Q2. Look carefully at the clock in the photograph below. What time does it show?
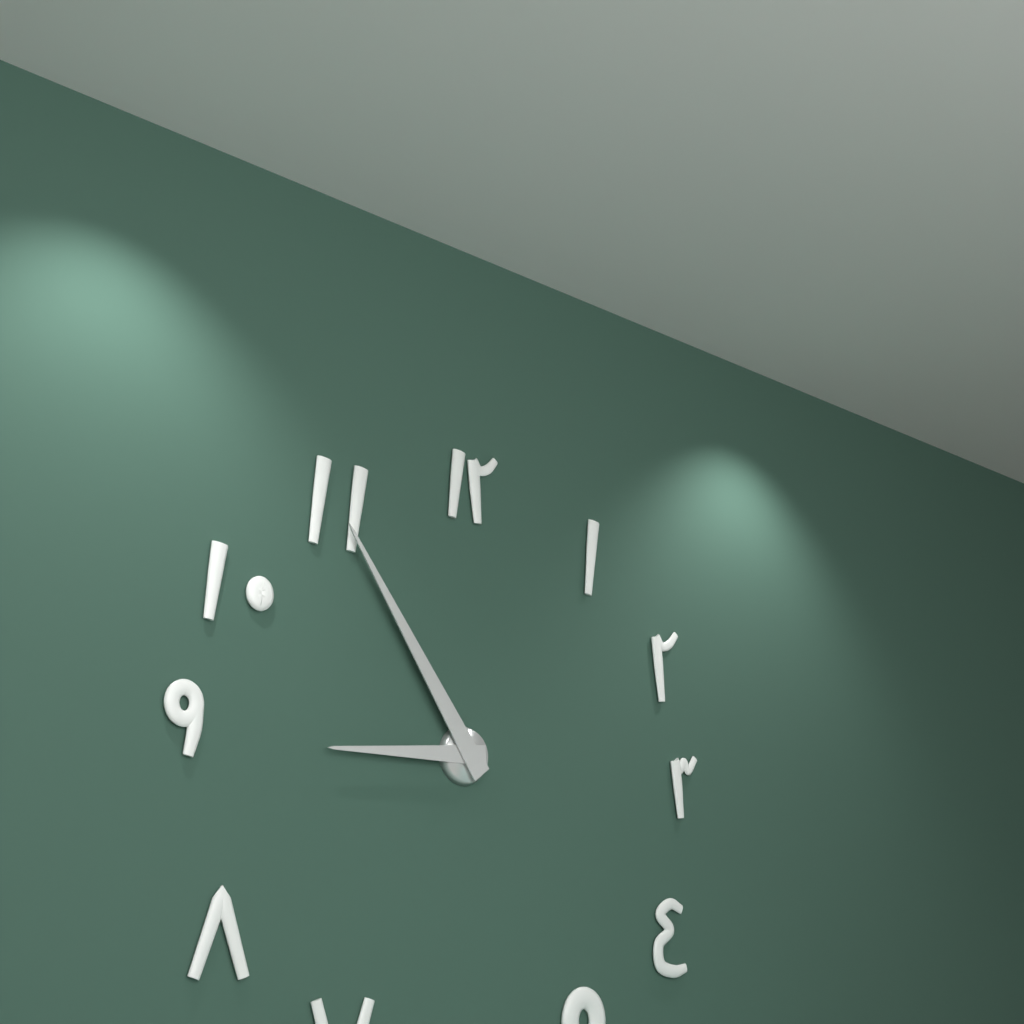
8:54
